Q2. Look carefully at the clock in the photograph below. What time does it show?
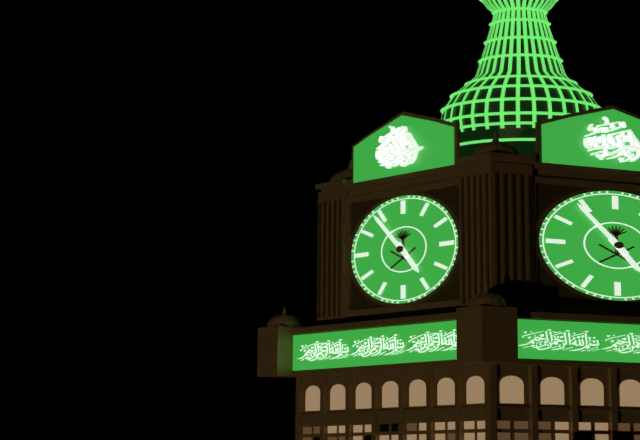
4:54
